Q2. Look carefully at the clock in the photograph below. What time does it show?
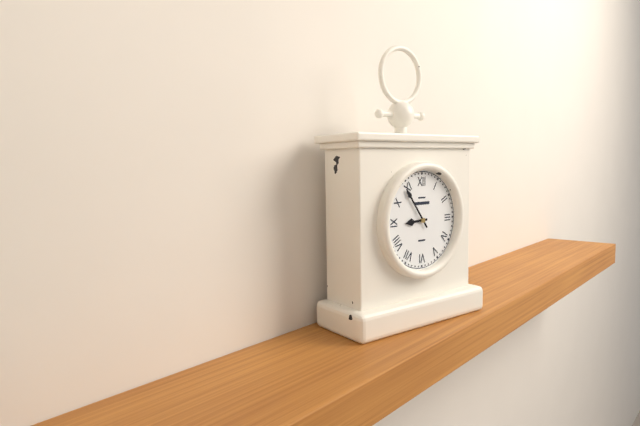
8:54
